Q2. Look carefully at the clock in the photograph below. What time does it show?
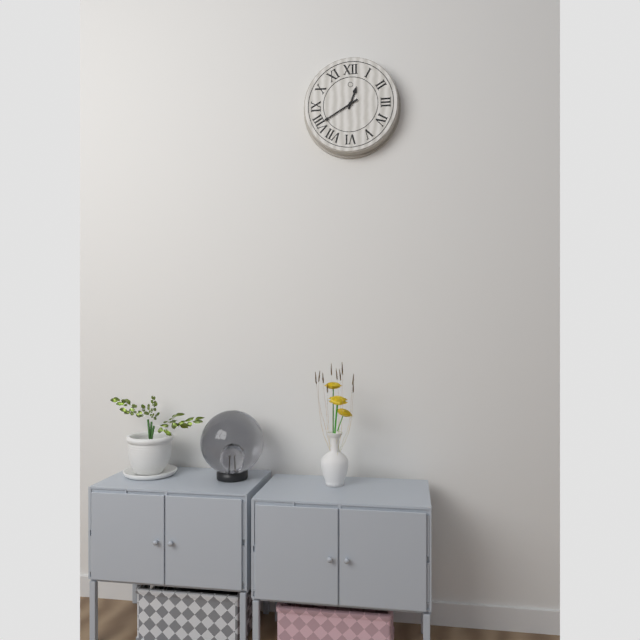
12:40
